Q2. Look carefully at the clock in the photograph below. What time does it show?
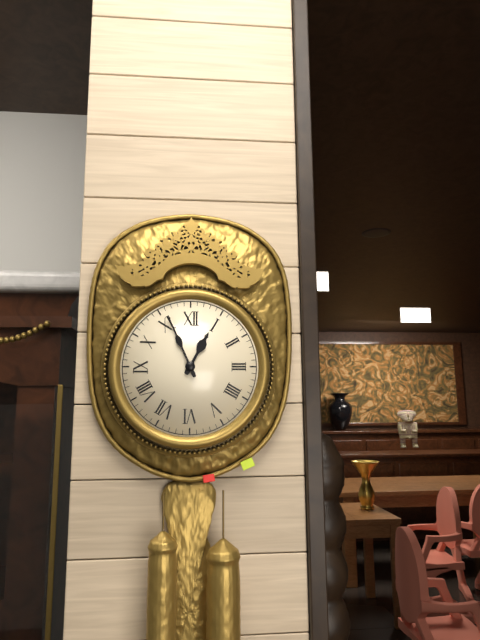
12:56
